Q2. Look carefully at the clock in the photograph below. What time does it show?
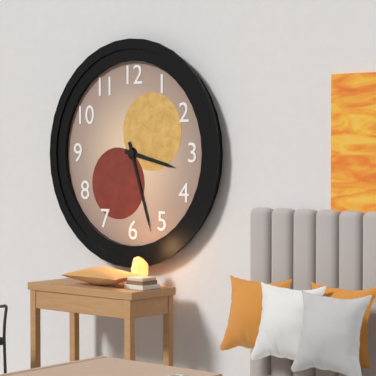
3:27
